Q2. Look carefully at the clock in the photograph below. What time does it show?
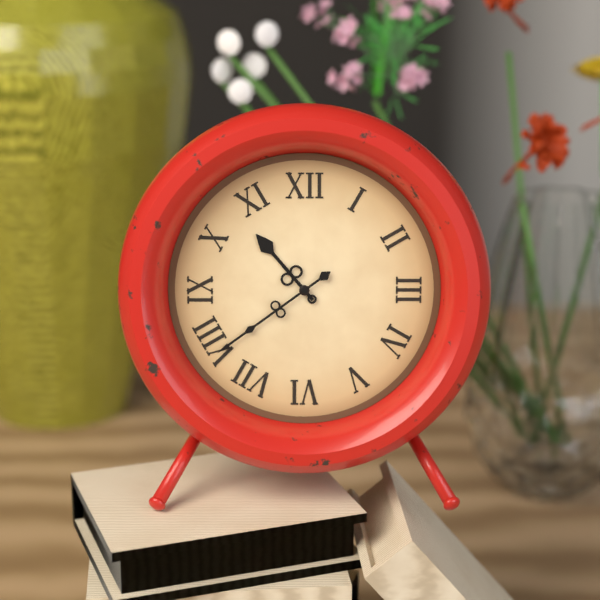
10:39
